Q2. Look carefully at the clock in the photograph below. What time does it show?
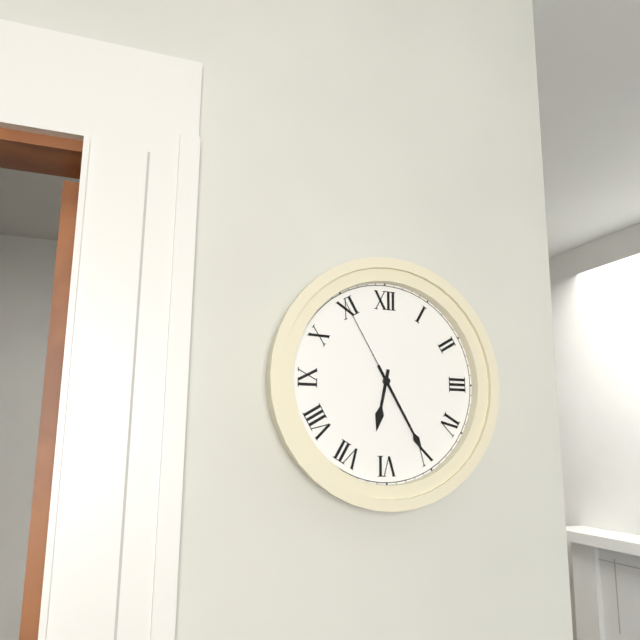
6:25:55
